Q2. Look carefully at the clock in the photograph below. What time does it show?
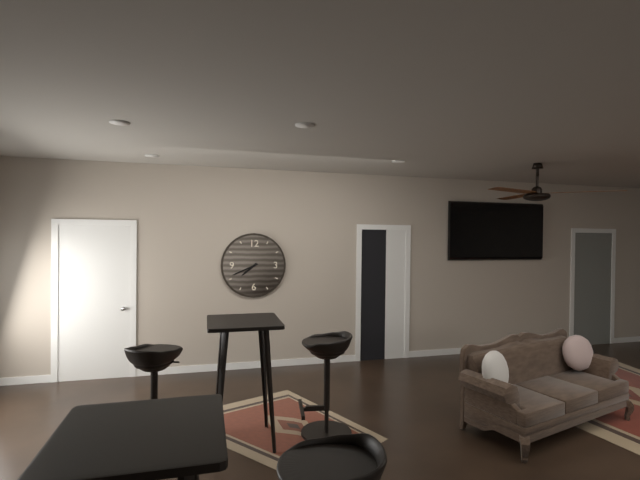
7:41
